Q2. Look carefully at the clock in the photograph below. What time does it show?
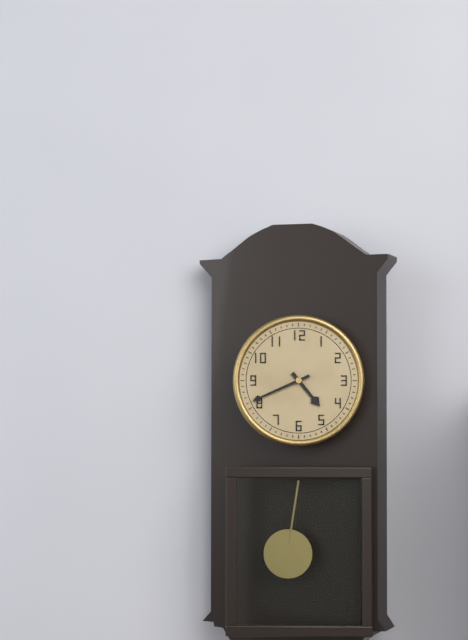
4:41
